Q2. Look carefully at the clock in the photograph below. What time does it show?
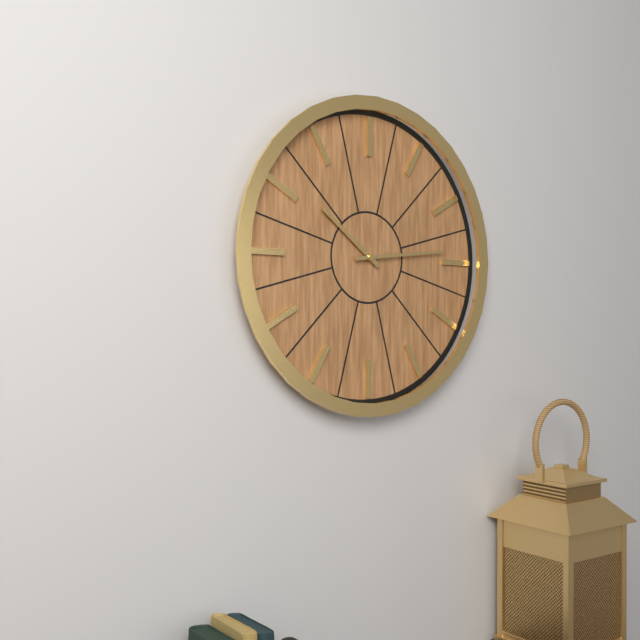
10:14
